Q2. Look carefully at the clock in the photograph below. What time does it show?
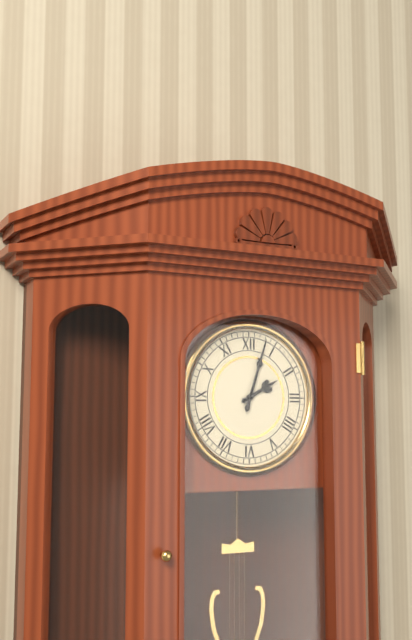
2:03
